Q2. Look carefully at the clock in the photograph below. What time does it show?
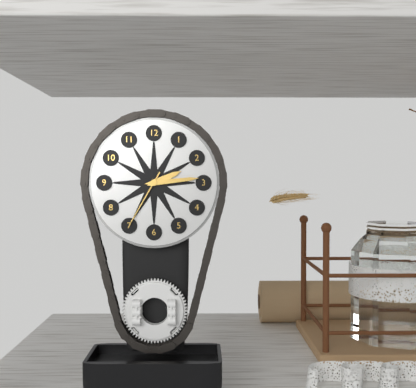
2:14:35
